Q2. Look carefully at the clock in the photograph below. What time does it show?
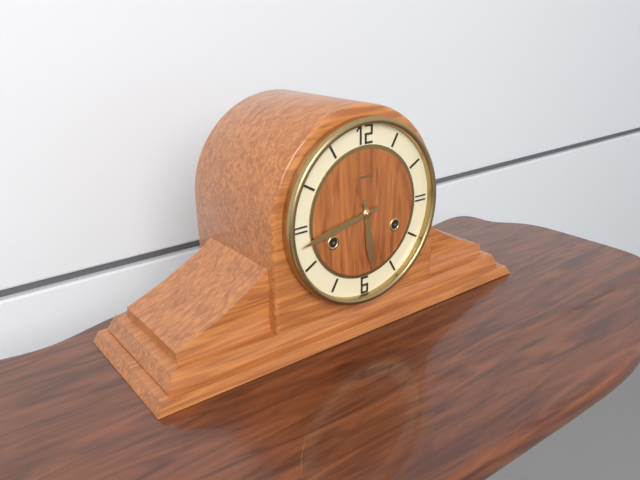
5:43
